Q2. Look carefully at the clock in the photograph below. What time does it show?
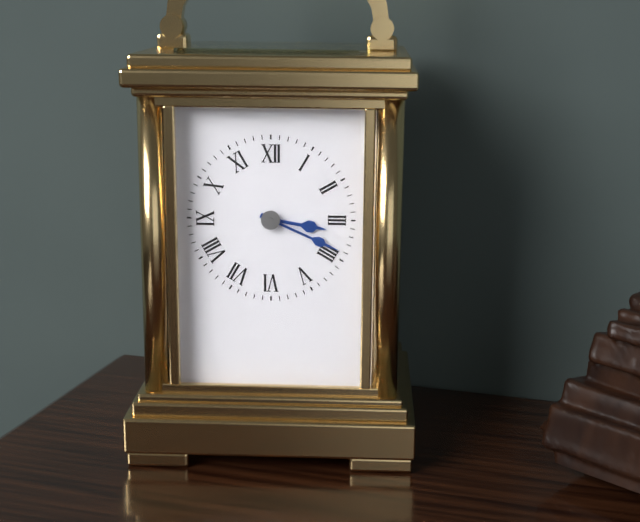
3:19
